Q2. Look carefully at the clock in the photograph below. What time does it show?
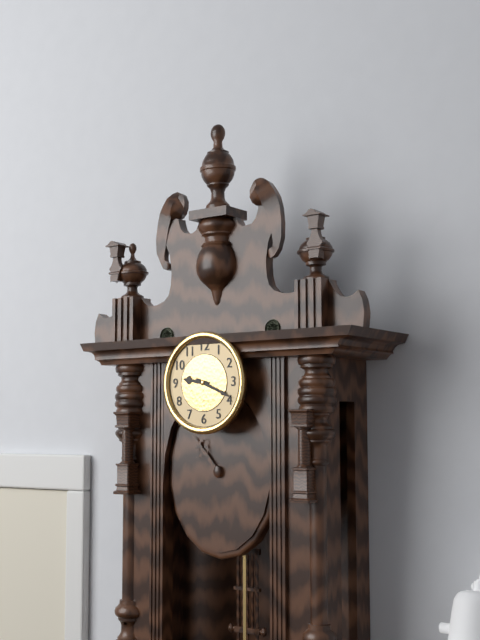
9:19
